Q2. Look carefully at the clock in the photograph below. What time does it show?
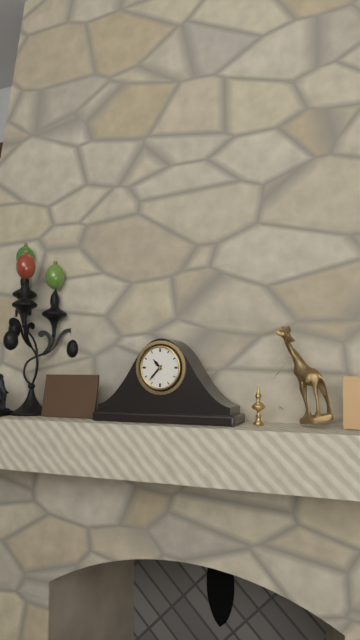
10:37
